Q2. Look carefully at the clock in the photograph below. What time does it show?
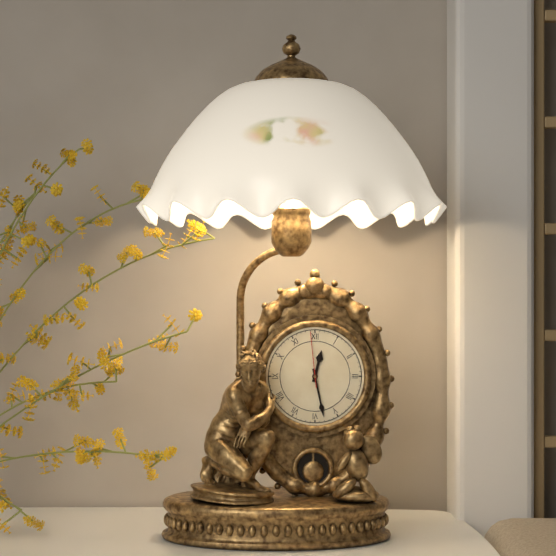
12:28:59
